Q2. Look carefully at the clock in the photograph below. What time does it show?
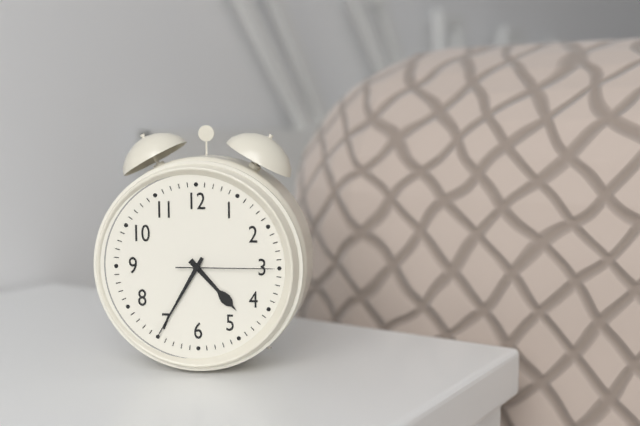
4:35:15
